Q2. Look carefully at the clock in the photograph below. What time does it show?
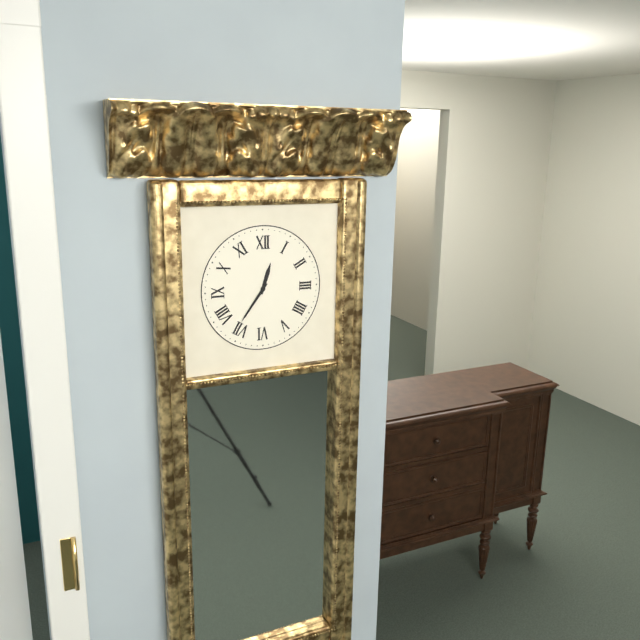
12:36
